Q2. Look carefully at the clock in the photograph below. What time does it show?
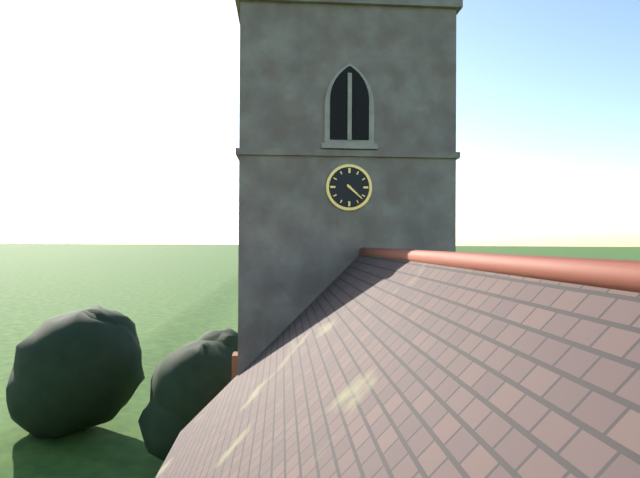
4:22
